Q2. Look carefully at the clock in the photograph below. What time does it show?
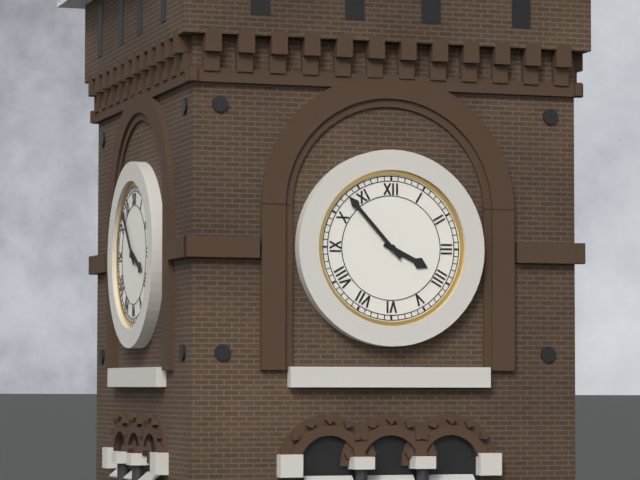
3:53
